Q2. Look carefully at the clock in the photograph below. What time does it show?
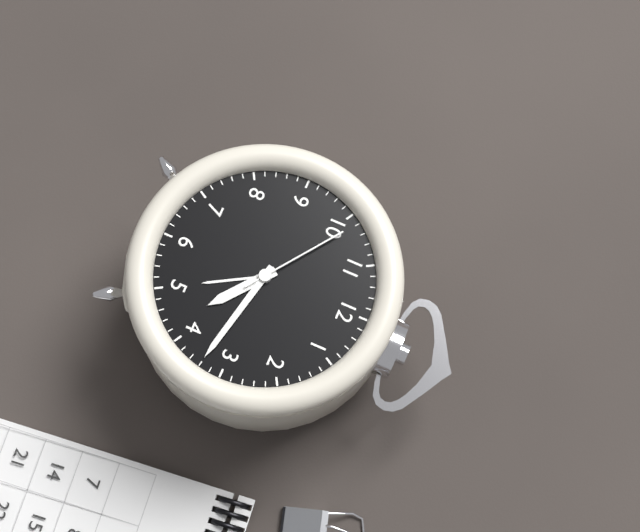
4:17:51
